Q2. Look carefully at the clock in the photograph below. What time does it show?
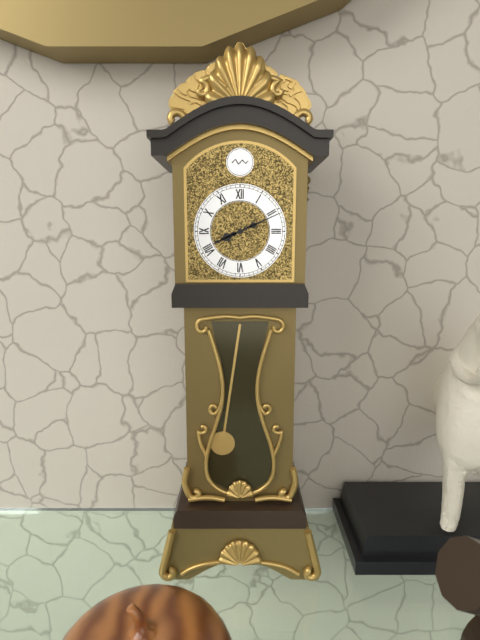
8:11
